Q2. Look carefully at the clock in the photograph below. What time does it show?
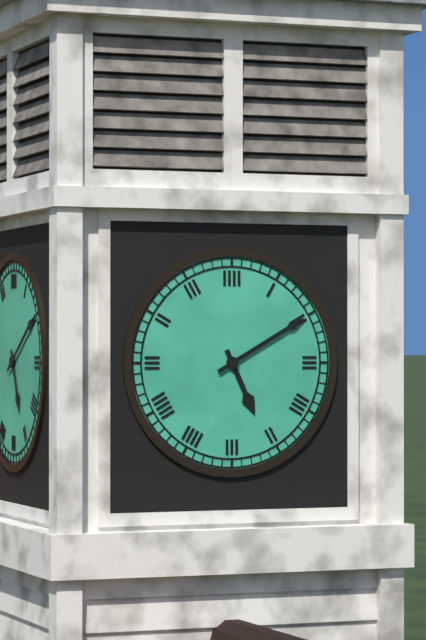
5:10
